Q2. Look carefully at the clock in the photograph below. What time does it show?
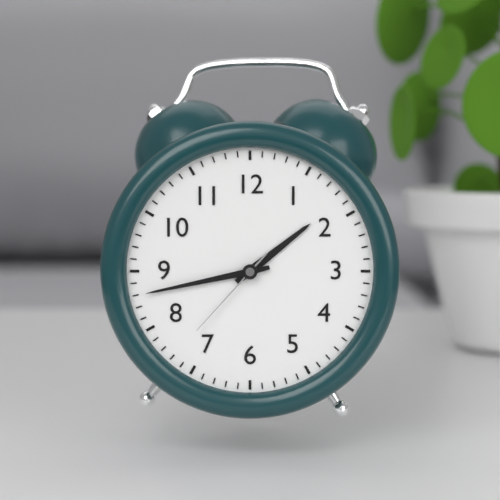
1:43:37
